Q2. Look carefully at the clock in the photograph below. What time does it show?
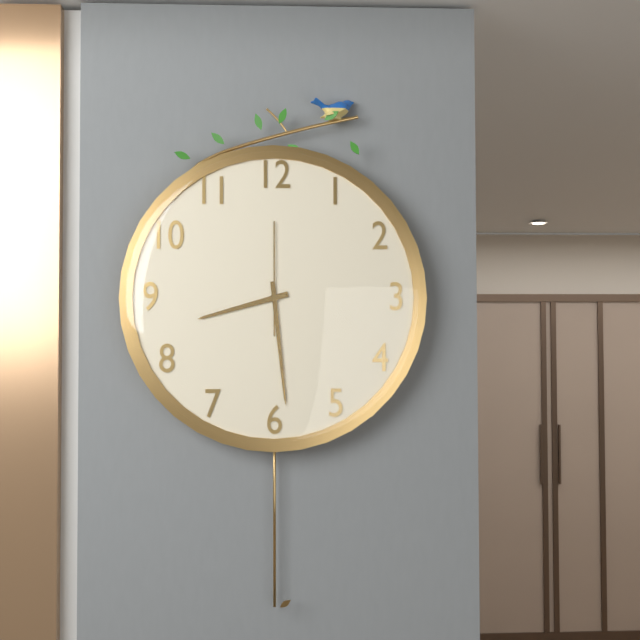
8:29:00
